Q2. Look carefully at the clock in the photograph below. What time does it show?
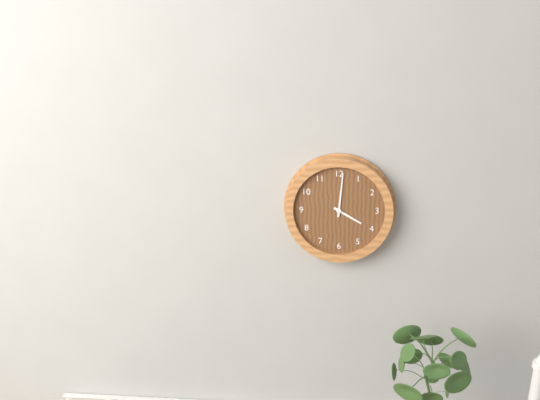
4:01
